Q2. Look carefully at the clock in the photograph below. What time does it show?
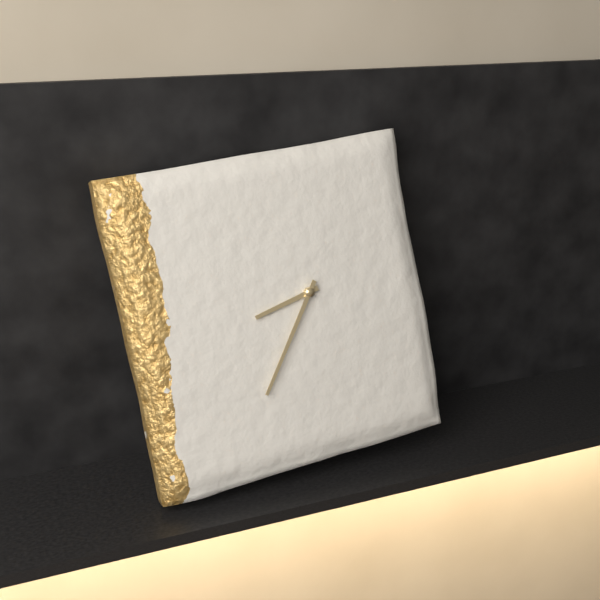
8:36
